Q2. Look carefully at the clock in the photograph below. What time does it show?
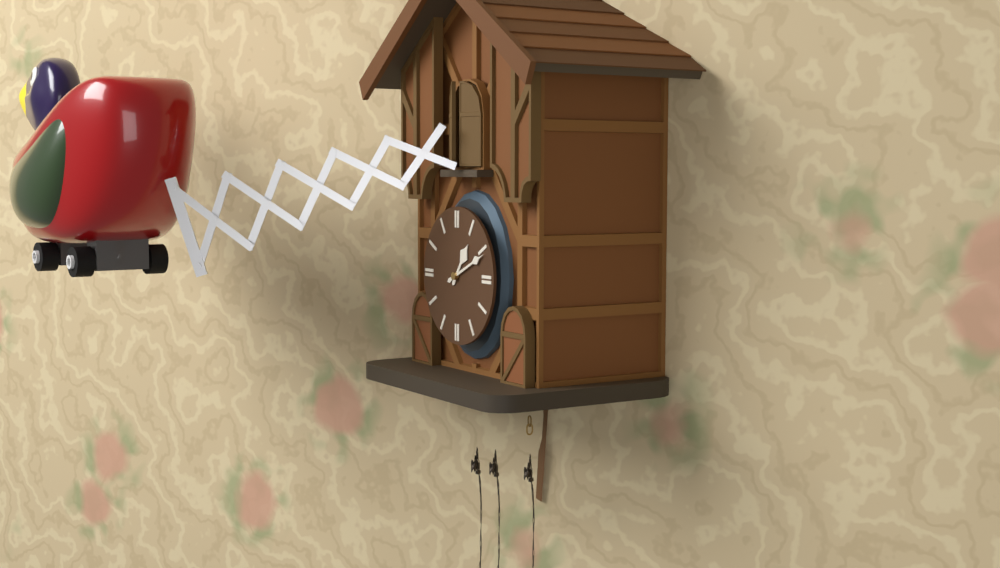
1:11
